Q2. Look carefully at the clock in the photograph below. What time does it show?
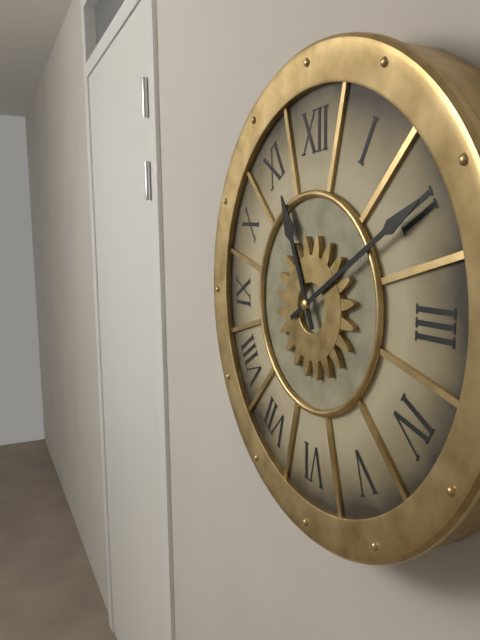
11:10
